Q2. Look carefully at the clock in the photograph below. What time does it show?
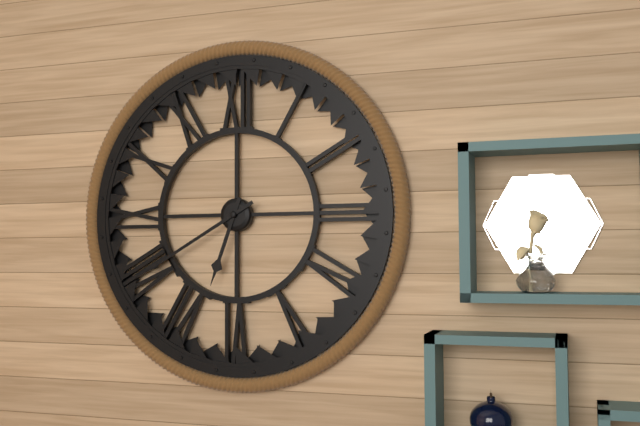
6:40
